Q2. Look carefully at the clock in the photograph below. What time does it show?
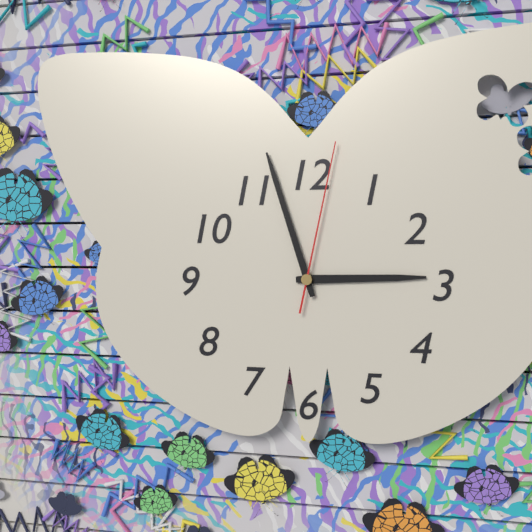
2:57:02
